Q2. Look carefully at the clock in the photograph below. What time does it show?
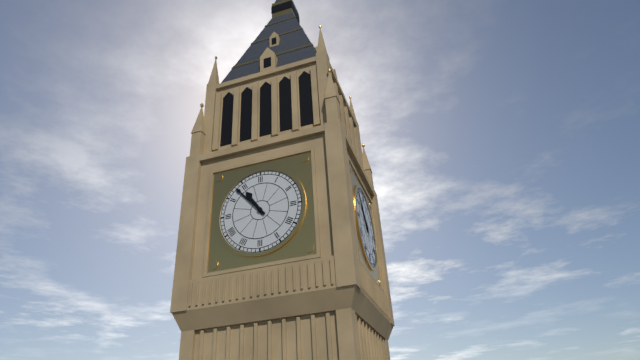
10:53
